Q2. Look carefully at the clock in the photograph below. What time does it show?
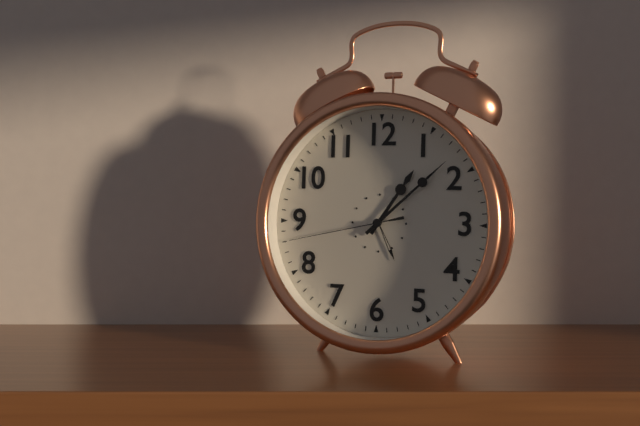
1:08:43
